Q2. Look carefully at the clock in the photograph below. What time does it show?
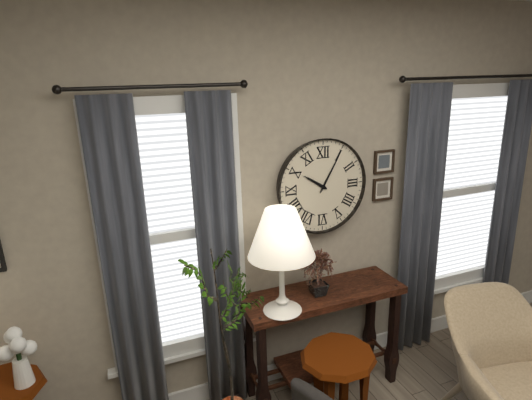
10:05
